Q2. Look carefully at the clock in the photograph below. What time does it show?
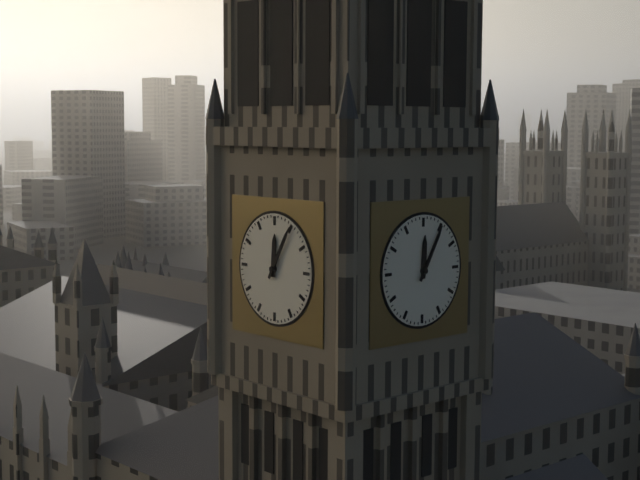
12:05
